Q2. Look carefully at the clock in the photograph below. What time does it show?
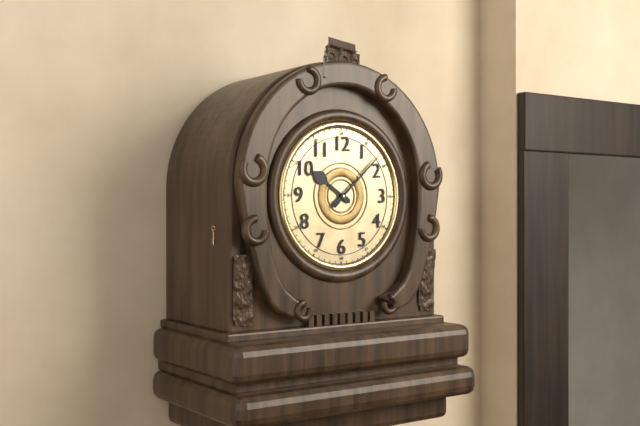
10:08
